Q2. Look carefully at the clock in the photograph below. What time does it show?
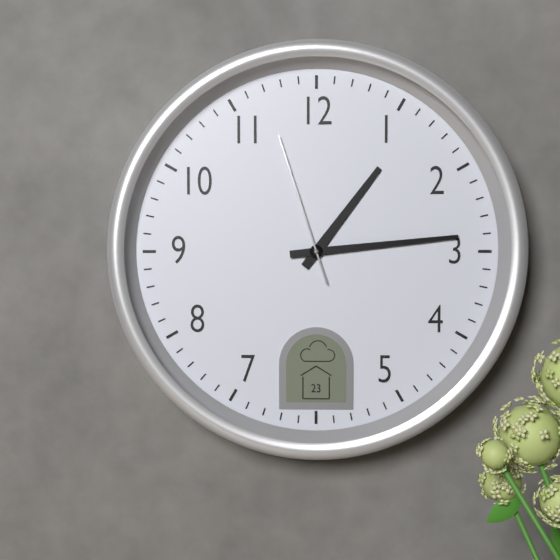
1:14:57
